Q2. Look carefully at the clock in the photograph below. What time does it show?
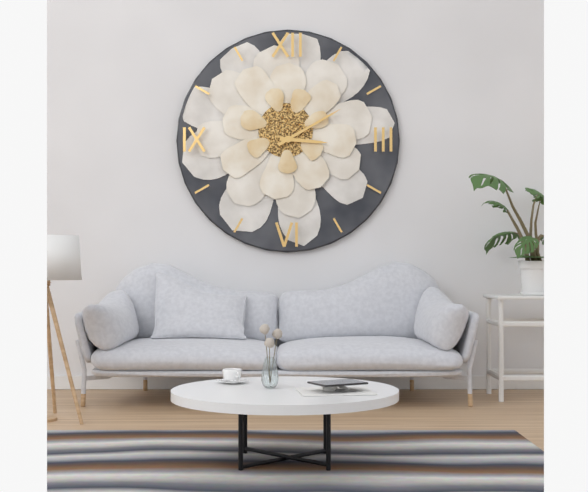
3:10
